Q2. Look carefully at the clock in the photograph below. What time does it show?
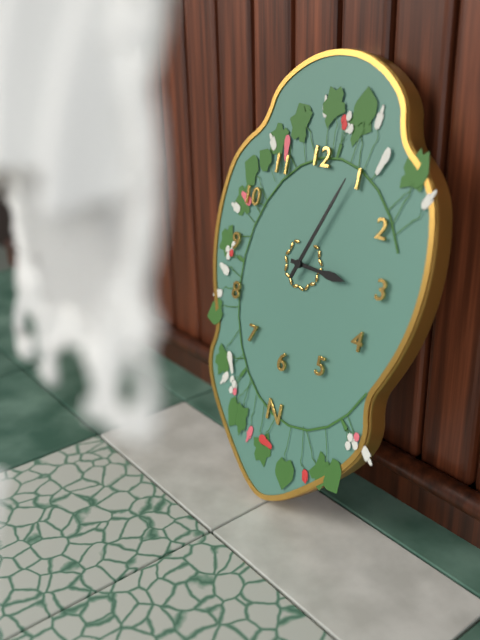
3:04
